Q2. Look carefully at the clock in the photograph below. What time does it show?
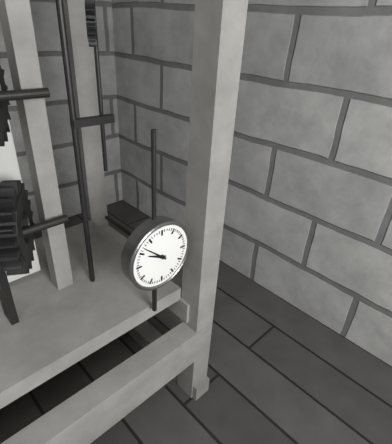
9:52
